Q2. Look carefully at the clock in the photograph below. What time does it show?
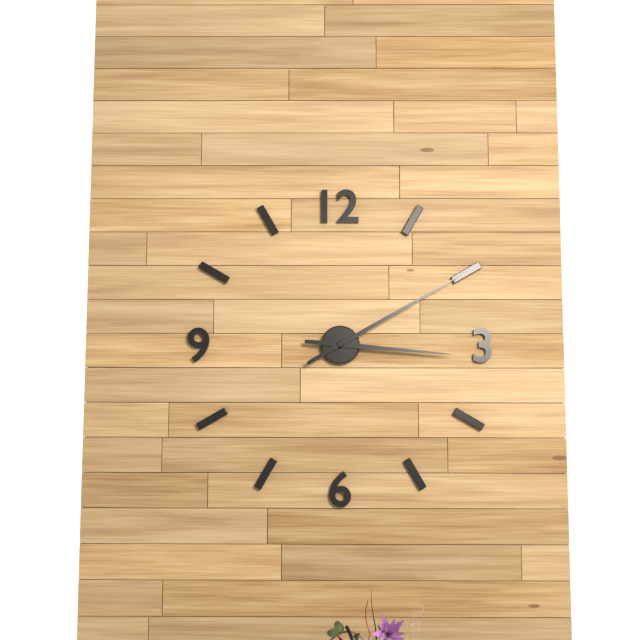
3:10
